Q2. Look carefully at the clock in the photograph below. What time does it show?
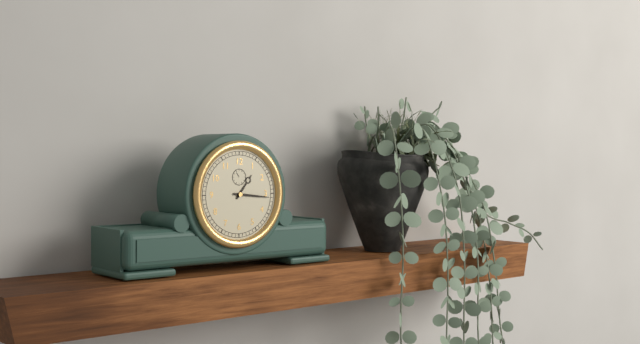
1:16
